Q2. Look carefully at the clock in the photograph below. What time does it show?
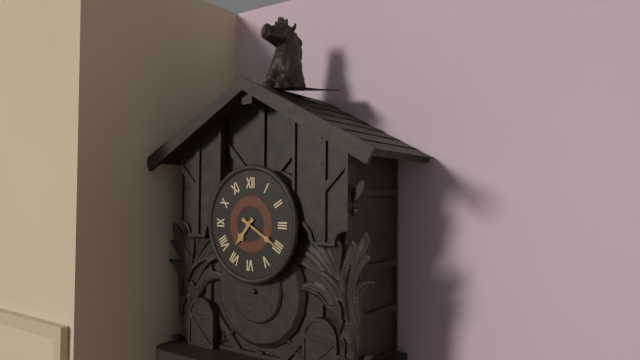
7:20
